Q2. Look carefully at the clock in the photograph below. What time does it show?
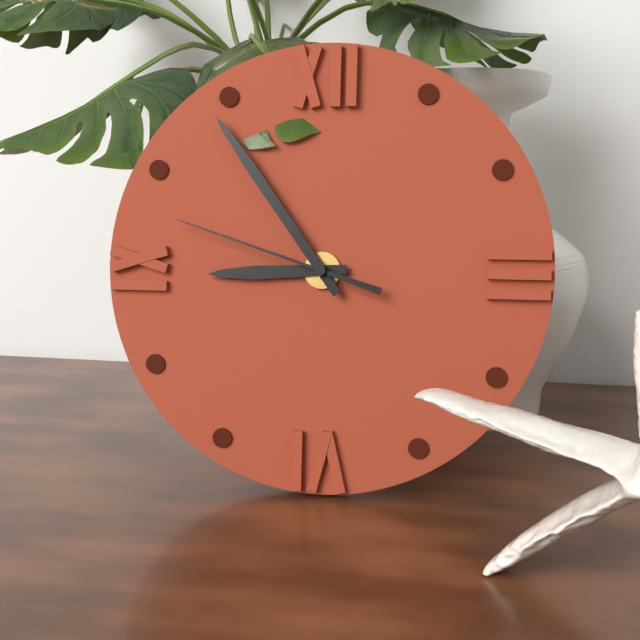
8:54:48
